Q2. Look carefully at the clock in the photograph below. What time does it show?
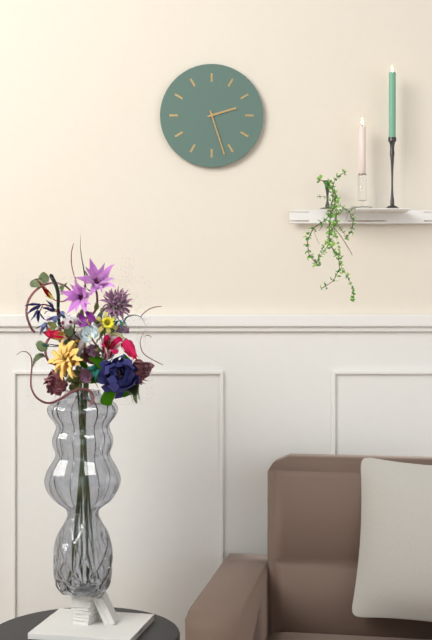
2:27
